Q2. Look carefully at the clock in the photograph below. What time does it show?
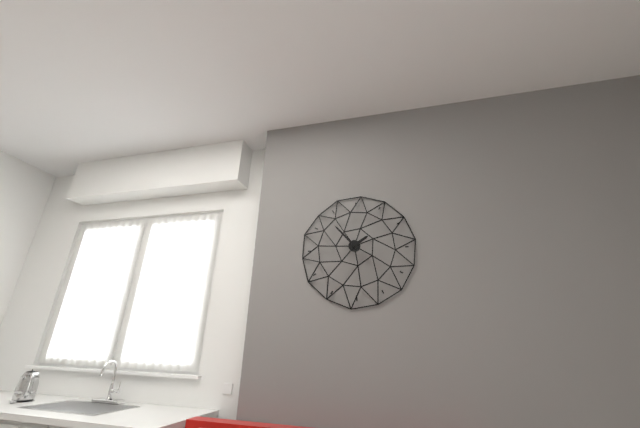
1:53
